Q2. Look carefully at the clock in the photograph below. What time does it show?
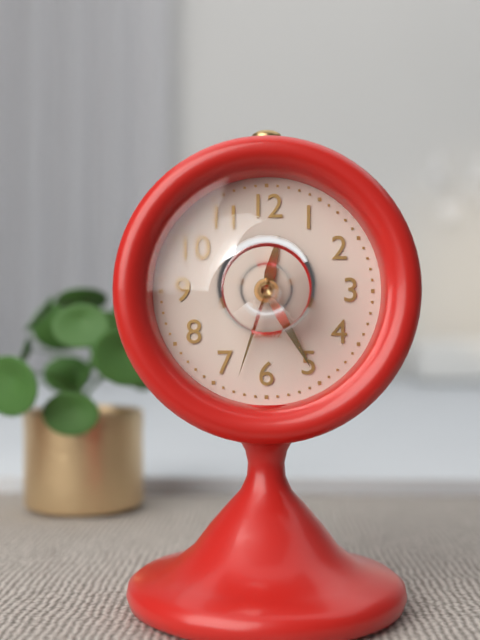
12:25:33
